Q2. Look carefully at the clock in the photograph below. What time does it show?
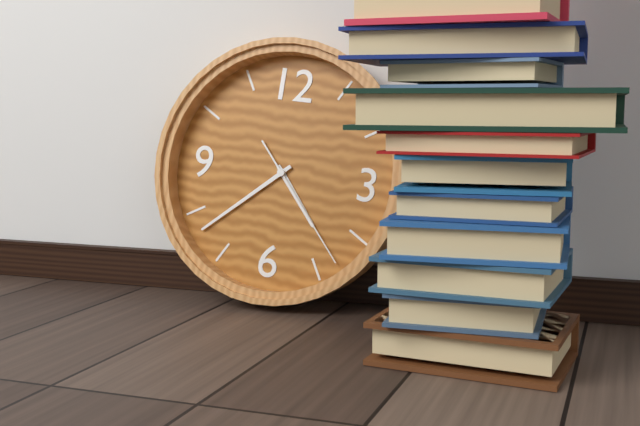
4:38:23
